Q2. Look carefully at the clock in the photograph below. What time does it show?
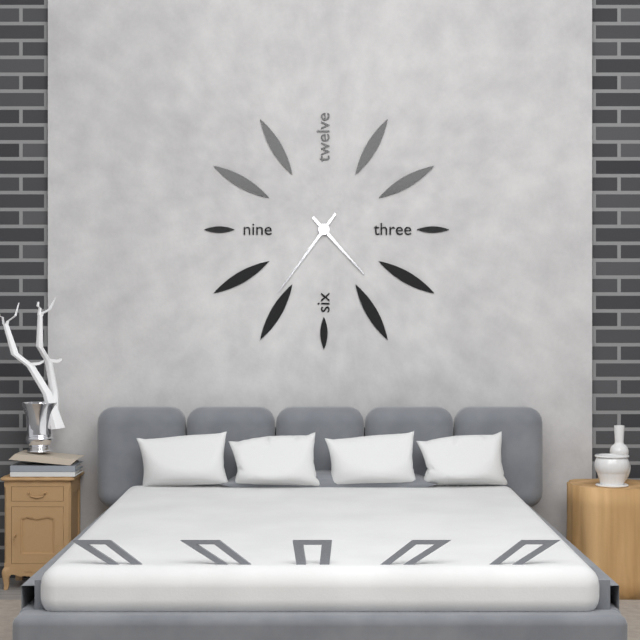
4:36
